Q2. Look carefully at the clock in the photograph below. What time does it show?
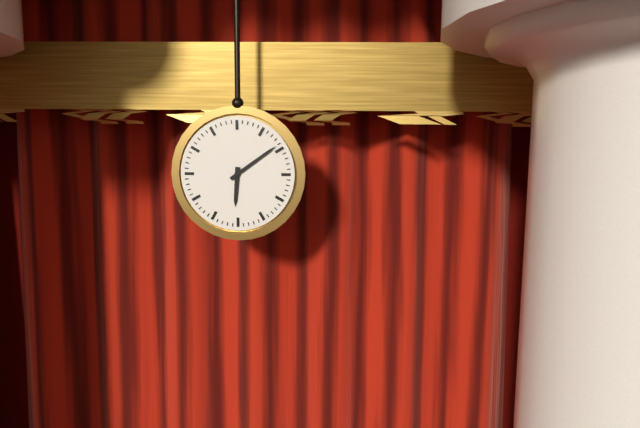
6:09
